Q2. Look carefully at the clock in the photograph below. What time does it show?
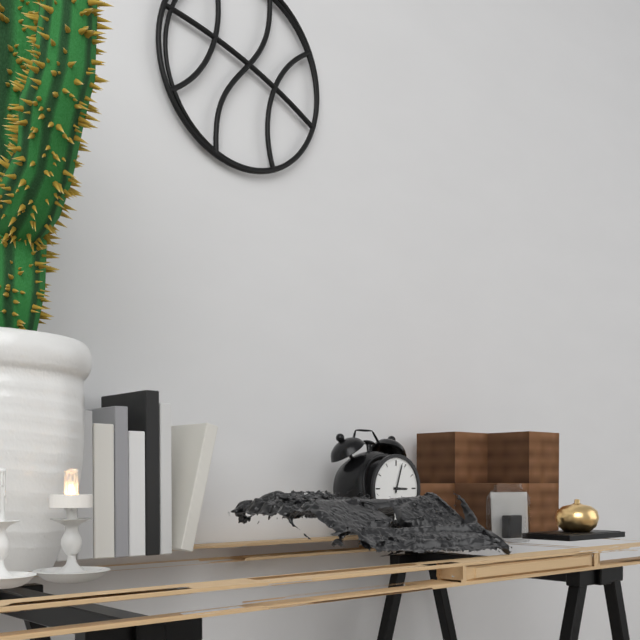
3:03
